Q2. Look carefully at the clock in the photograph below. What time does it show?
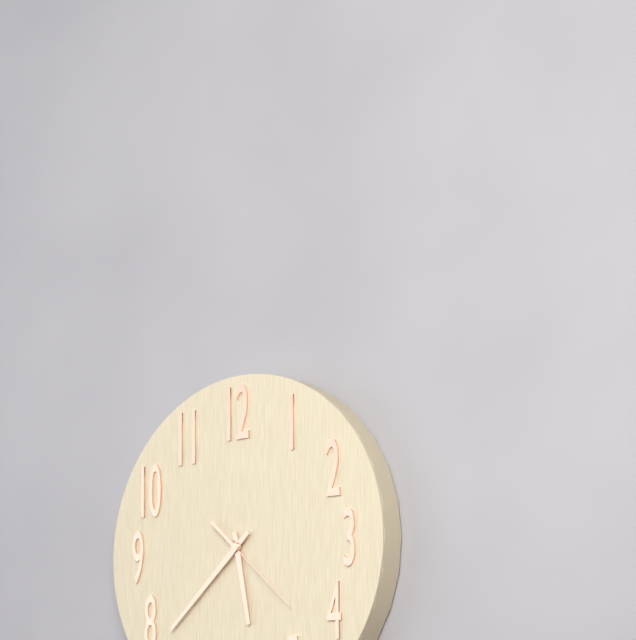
5:38:22
